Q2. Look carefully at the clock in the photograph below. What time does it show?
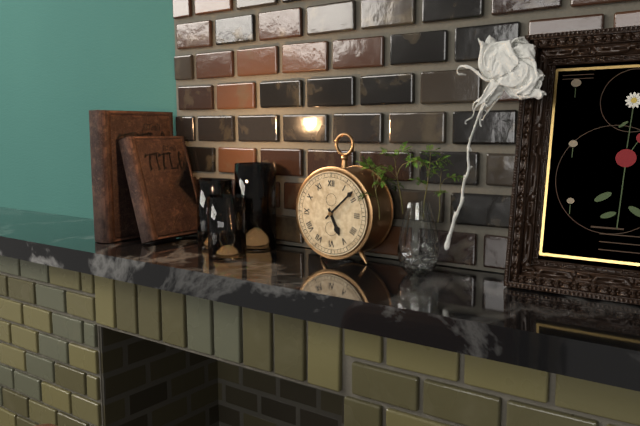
5:08
